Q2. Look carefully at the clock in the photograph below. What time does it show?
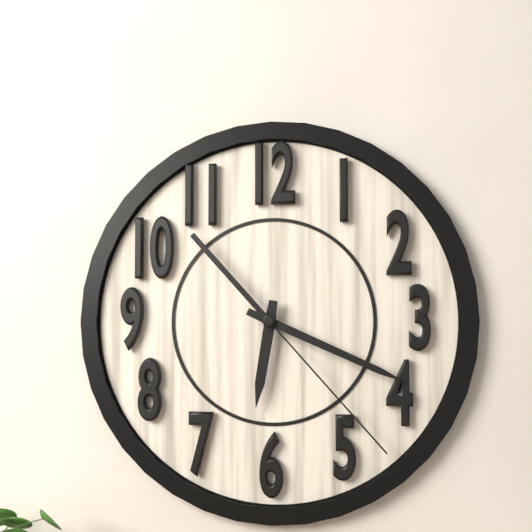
6:19:23
